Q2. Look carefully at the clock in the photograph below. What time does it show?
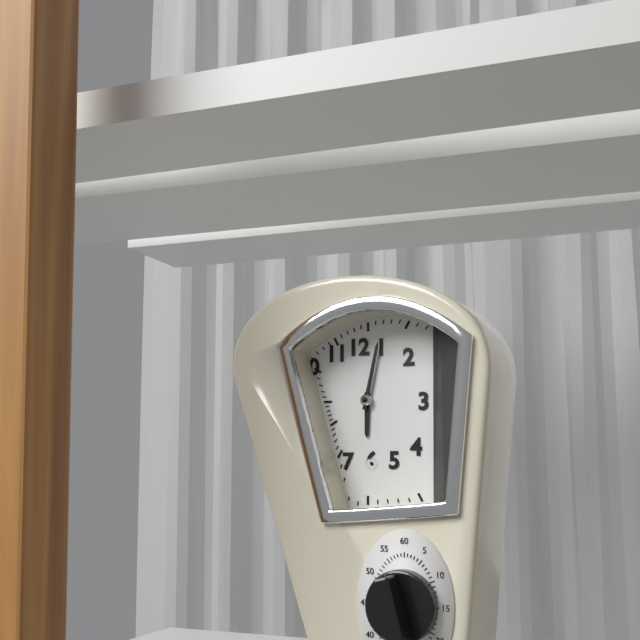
6:02
